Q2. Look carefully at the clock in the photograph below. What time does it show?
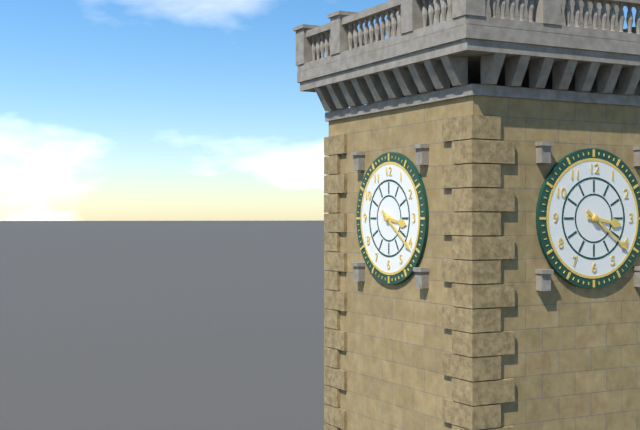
3:21
